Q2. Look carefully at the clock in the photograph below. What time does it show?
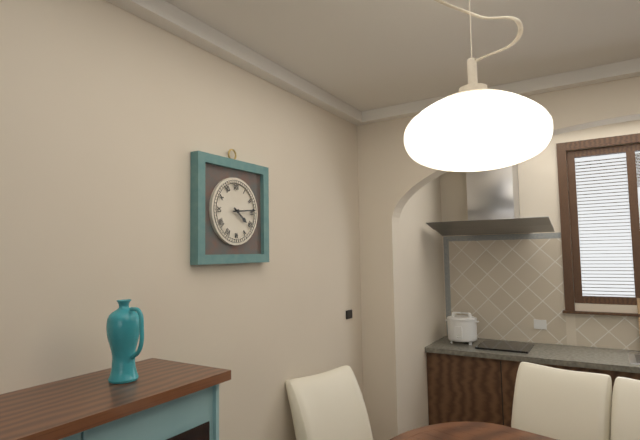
4:14
